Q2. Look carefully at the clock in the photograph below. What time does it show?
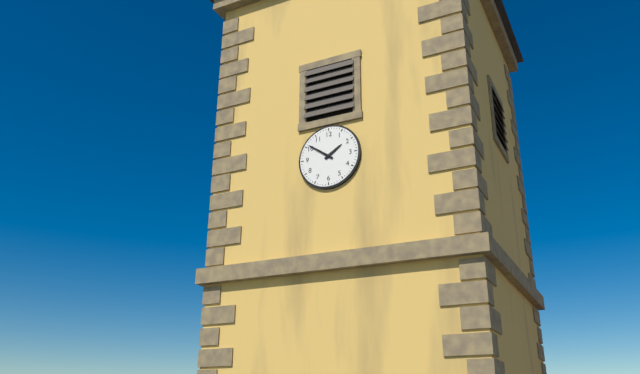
1:51
